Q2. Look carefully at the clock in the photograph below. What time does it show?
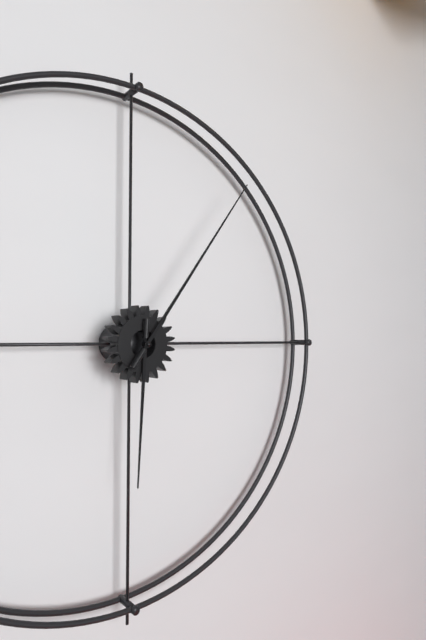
6:06
